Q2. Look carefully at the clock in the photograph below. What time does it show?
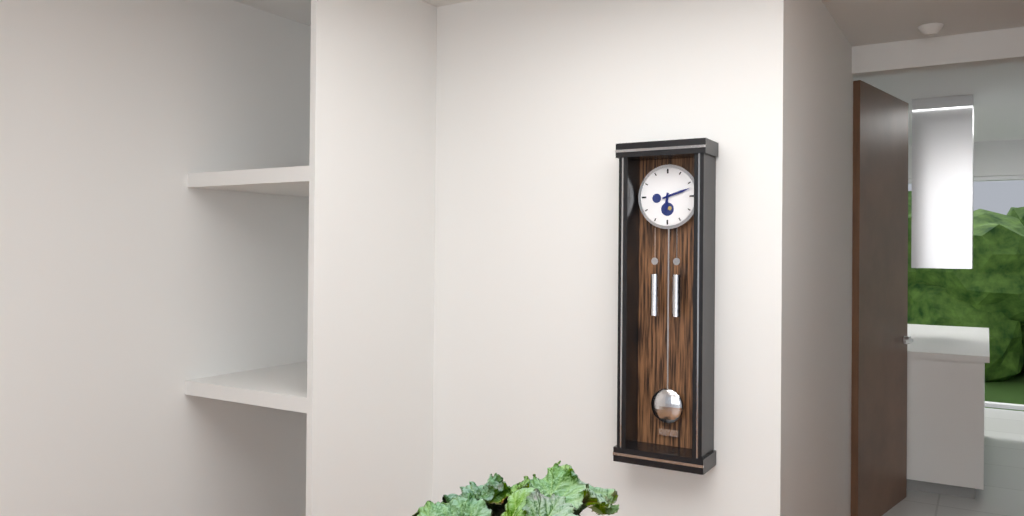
6:12
